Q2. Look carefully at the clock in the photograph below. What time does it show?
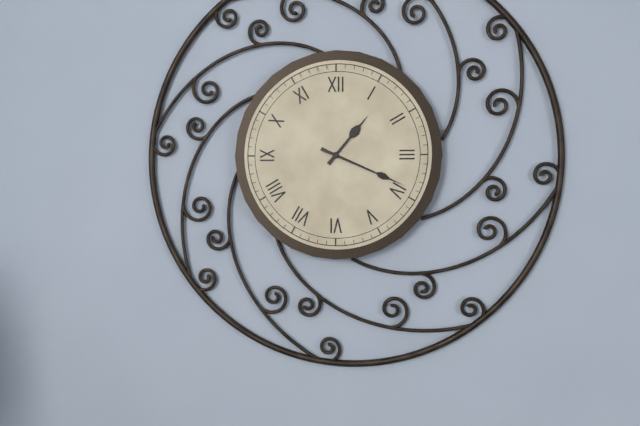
1:19
